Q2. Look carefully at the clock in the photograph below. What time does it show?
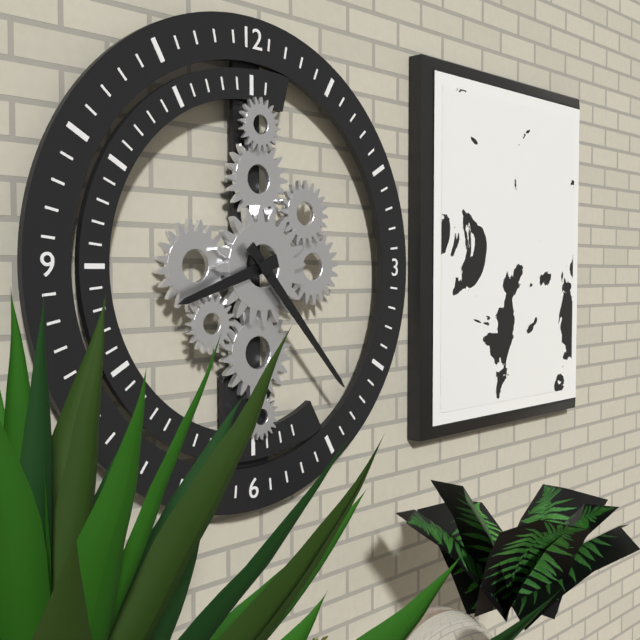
8:23
